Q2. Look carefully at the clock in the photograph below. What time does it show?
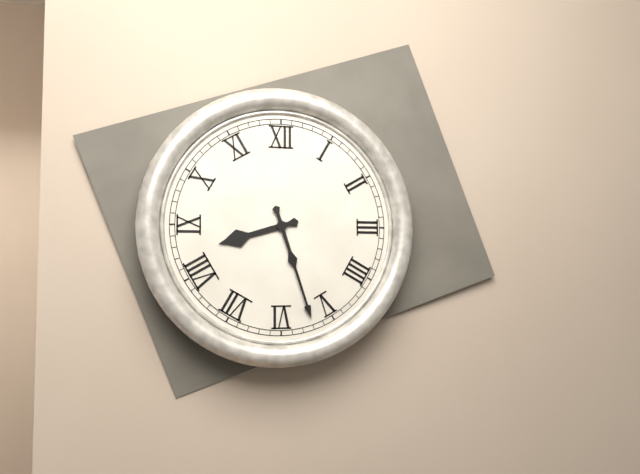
8:27
